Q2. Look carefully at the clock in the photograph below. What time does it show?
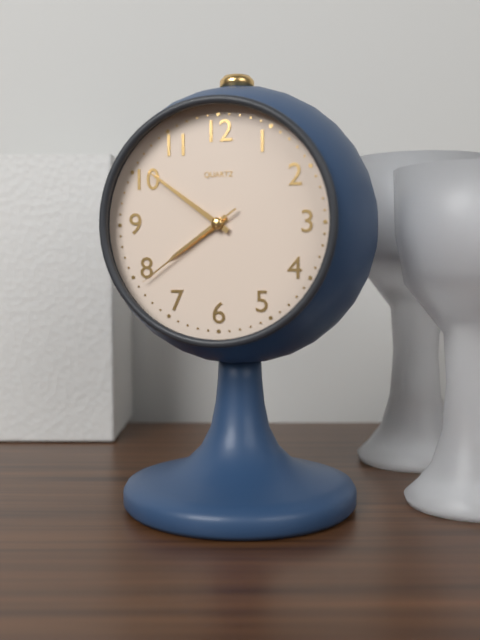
7:51:39
